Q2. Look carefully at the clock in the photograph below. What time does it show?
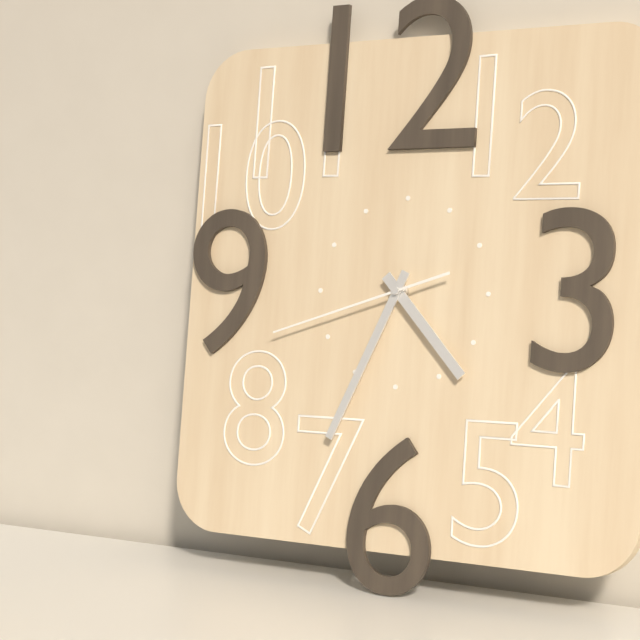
4:34:42
